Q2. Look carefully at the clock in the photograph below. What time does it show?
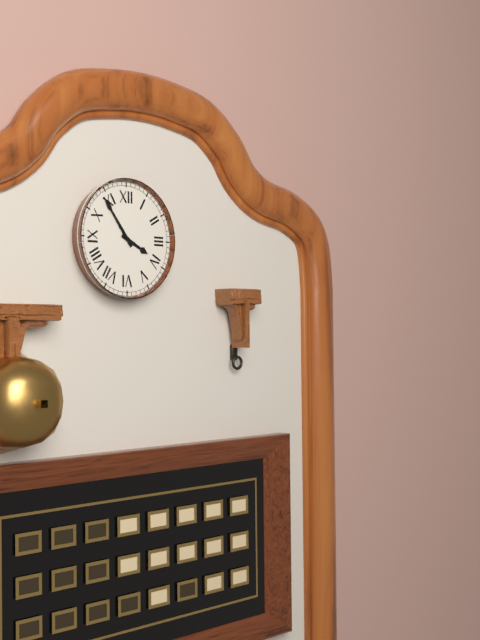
3:54
